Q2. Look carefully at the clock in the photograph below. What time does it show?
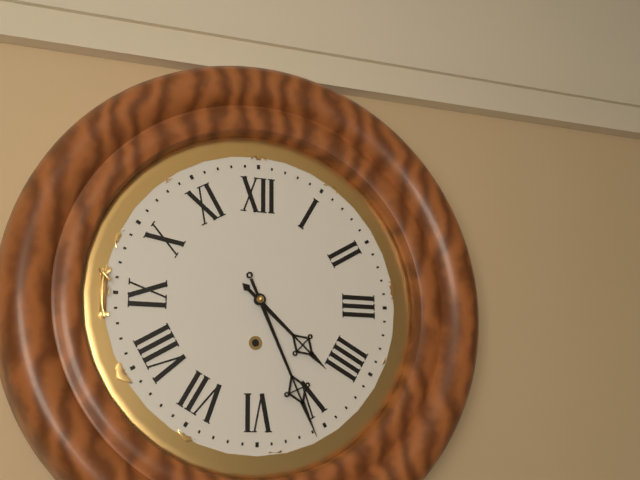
4:26
